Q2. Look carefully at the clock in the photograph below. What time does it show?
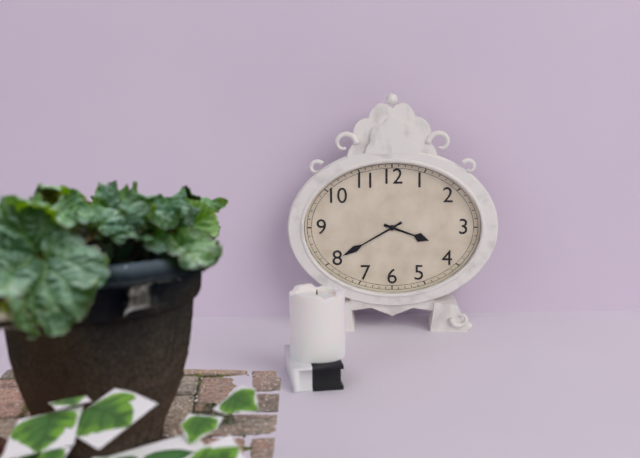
3:40
